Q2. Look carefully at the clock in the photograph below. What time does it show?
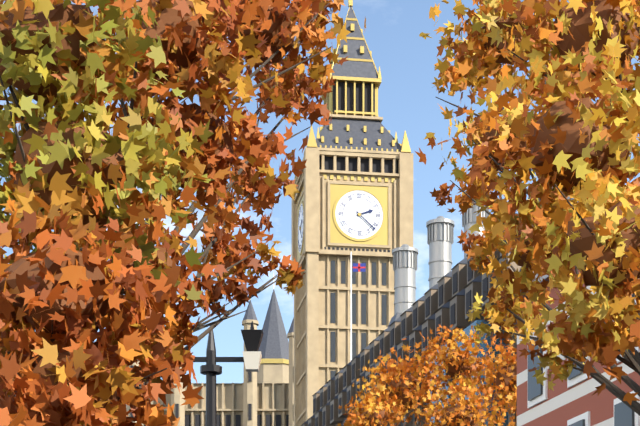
2:22
